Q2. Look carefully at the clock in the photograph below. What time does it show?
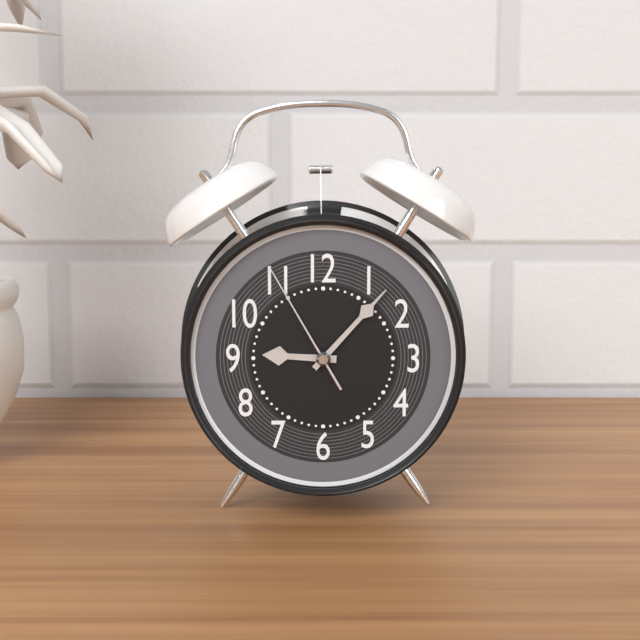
9:07:55
